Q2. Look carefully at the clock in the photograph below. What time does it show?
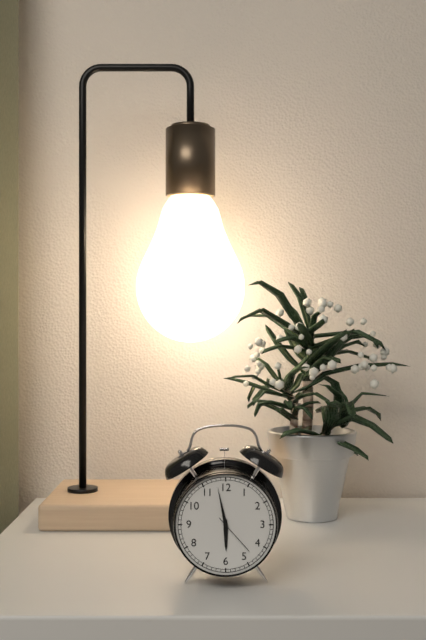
5:58
